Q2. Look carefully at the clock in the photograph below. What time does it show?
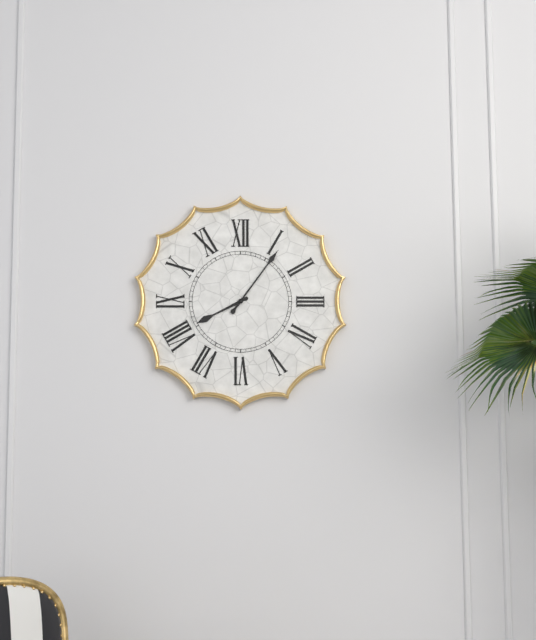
8:06
